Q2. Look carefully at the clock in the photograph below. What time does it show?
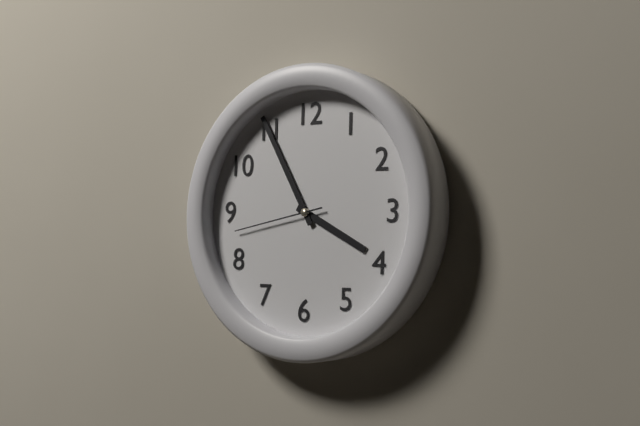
3:55:43
